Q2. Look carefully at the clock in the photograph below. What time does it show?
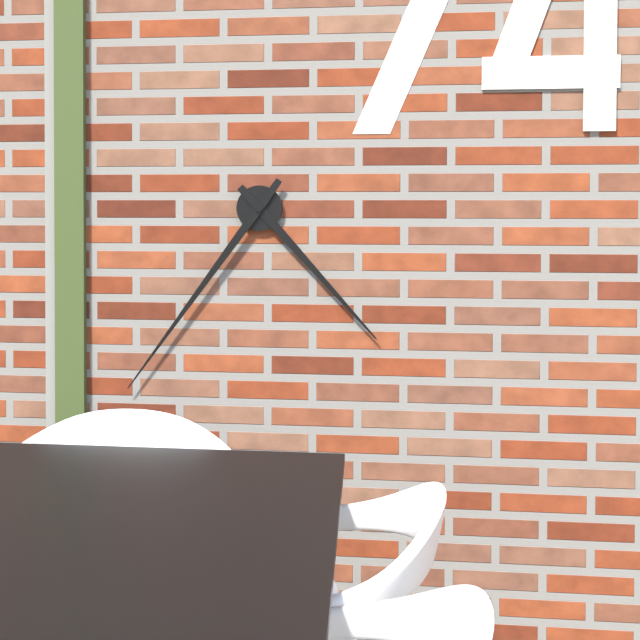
4:36
